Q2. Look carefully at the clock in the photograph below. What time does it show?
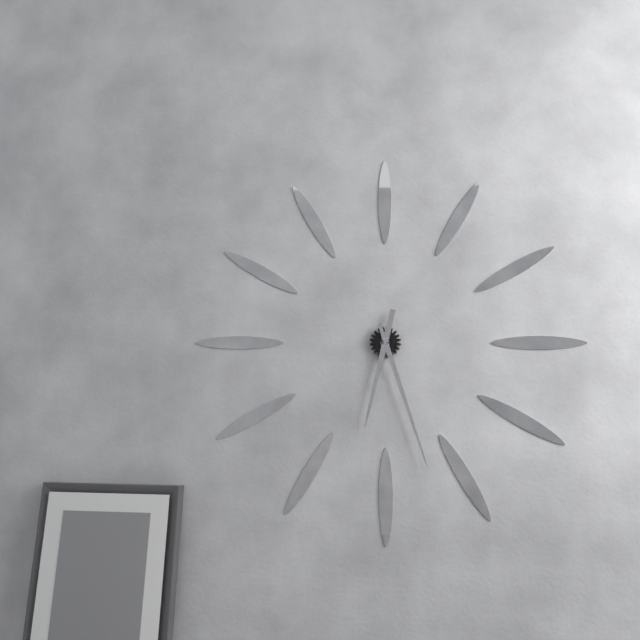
6:27
